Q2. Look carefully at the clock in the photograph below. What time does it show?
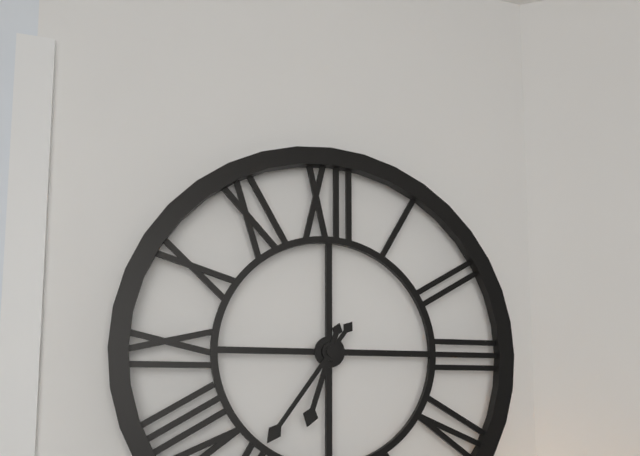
6:36
